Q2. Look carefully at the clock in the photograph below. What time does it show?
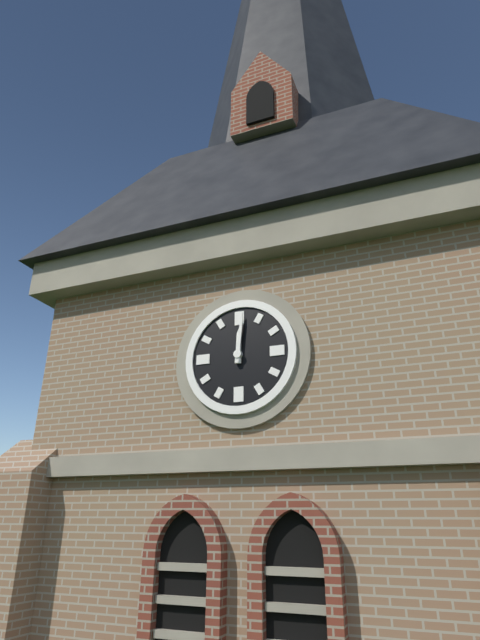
12:01
